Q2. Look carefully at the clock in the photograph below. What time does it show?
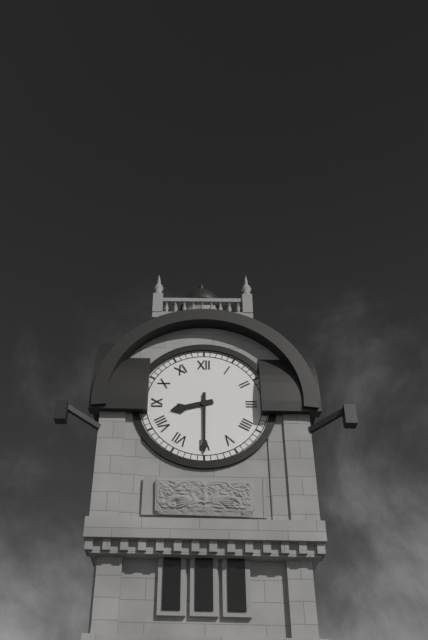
8:30
